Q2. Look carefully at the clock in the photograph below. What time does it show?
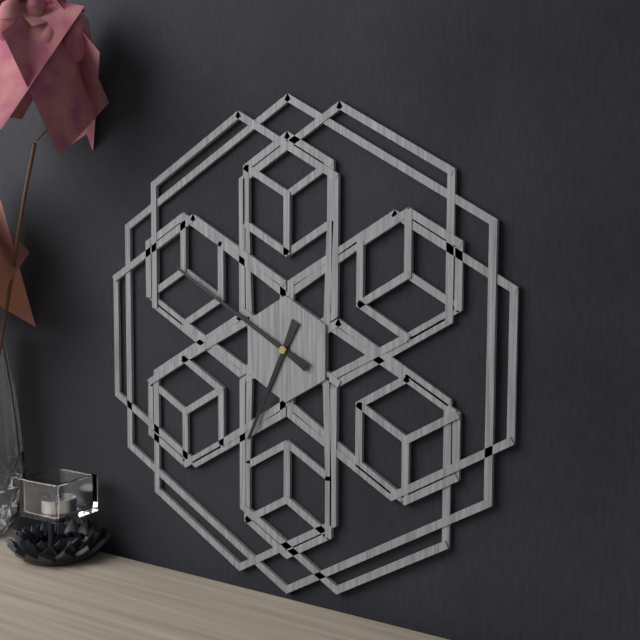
6:50
